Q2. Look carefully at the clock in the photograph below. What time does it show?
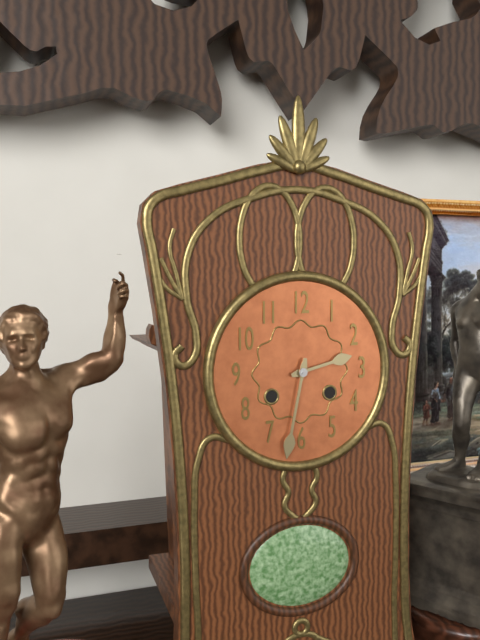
2:32
